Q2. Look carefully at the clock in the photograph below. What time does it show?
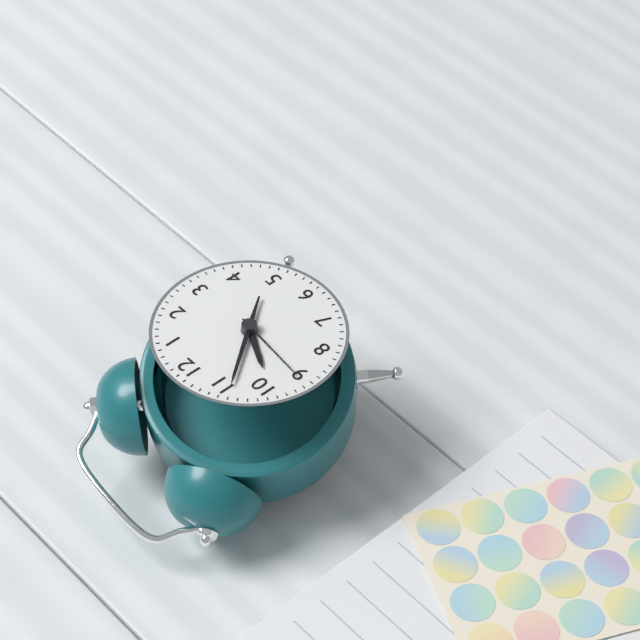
9:54:46
